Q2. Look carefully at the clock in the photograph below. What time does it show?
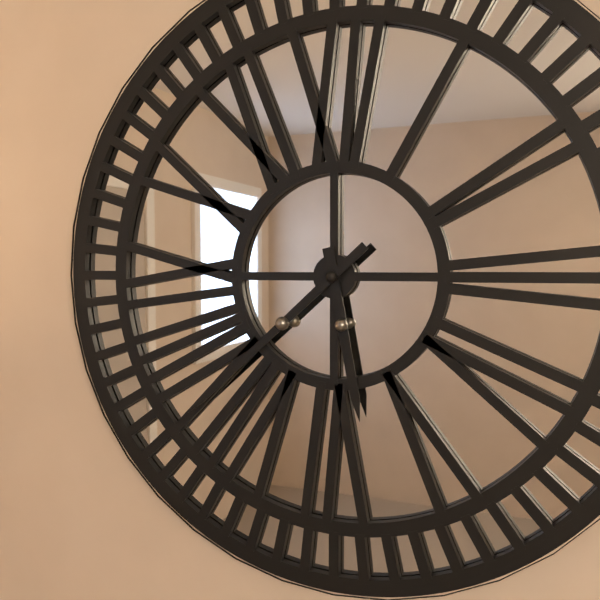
5:38
